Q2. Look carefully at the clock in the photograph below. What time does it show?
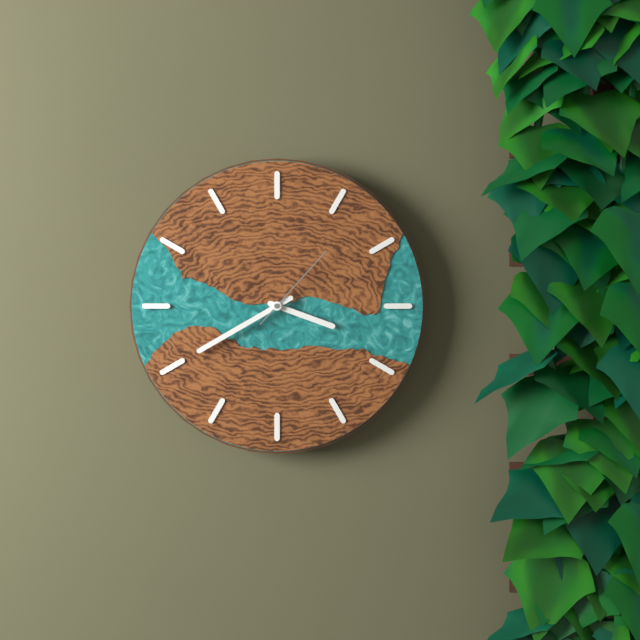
3:40:07
